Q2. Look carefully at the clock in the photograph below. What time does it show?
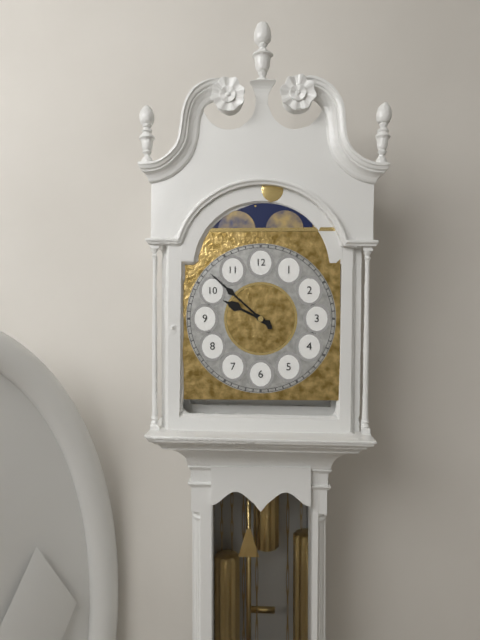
9:52
